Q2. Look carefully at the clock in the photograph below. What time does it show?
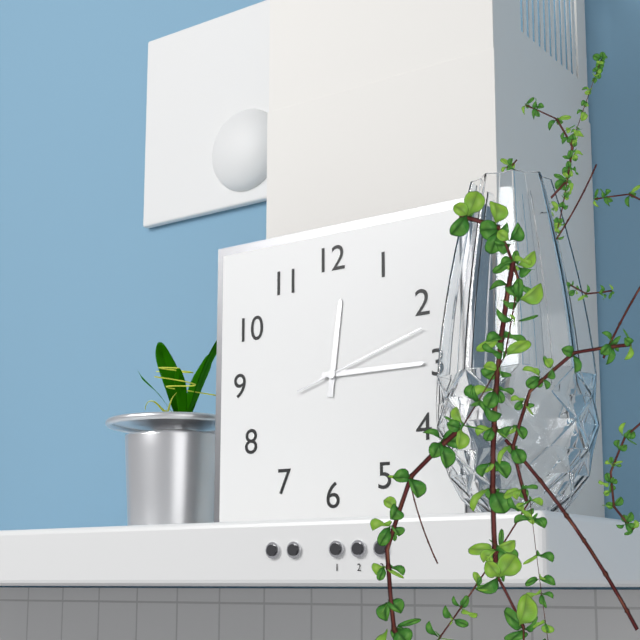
12:15:12
